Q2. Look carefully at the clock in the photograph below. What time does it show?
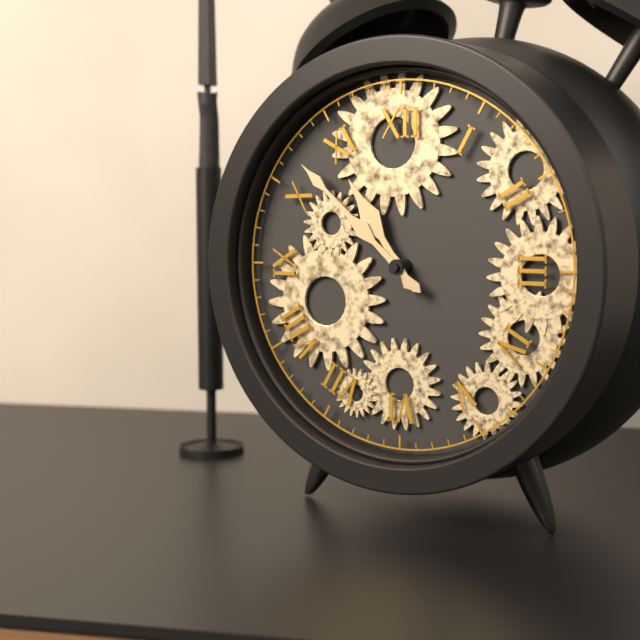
10:52
